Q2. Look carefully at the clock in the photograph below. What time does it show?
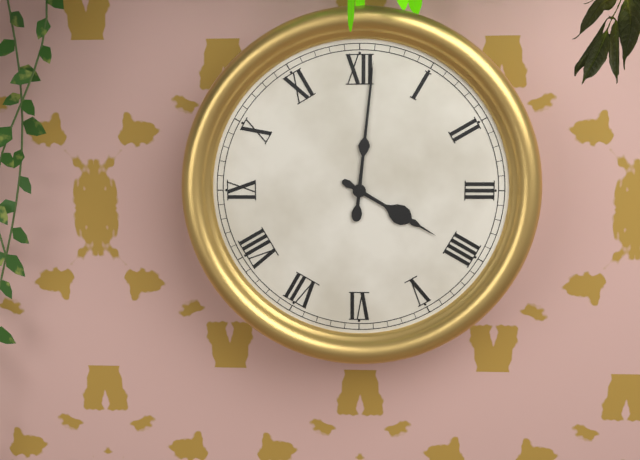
4:01
